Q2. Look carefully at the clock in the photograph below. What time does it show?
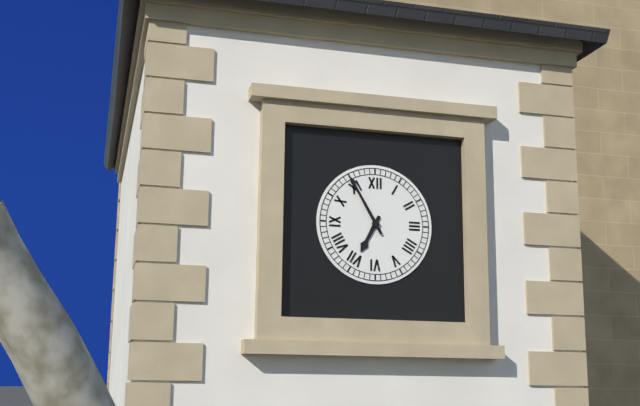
6:55
